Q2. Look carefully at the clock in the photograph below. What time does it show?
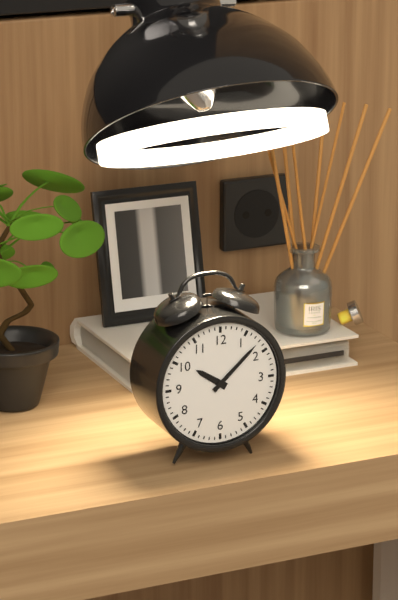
10:08
